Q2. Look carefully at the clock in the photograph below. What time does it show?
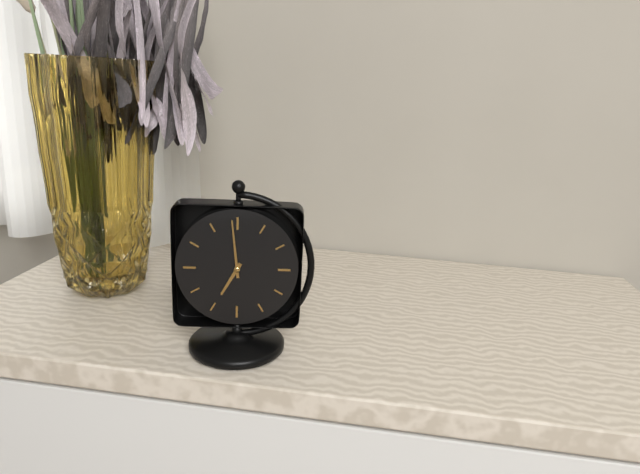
6:59
